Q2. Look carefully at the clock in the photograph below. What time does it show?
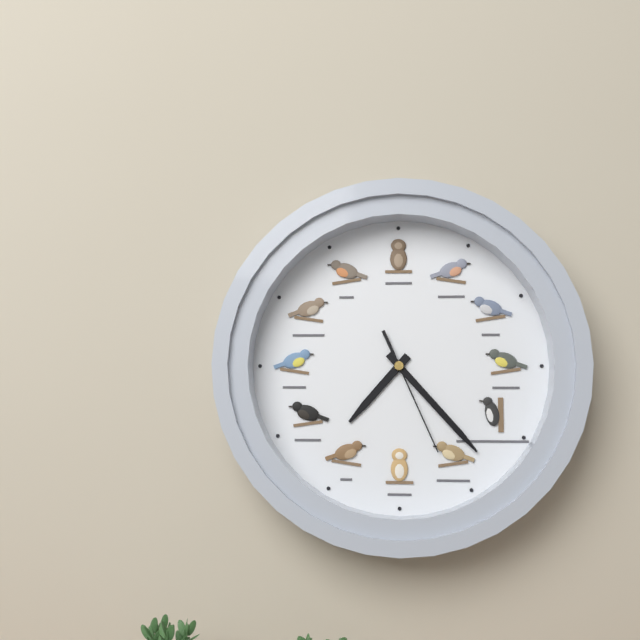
7:23:26
